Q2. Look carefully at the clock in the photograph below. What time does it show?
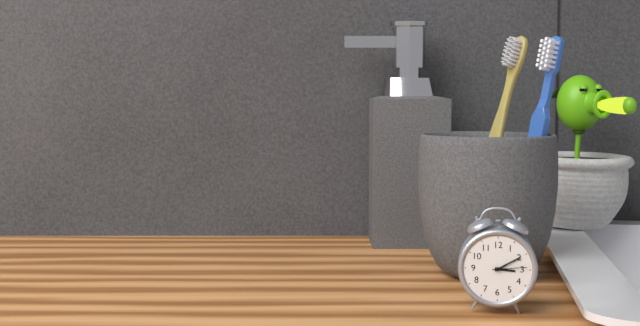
3:10
